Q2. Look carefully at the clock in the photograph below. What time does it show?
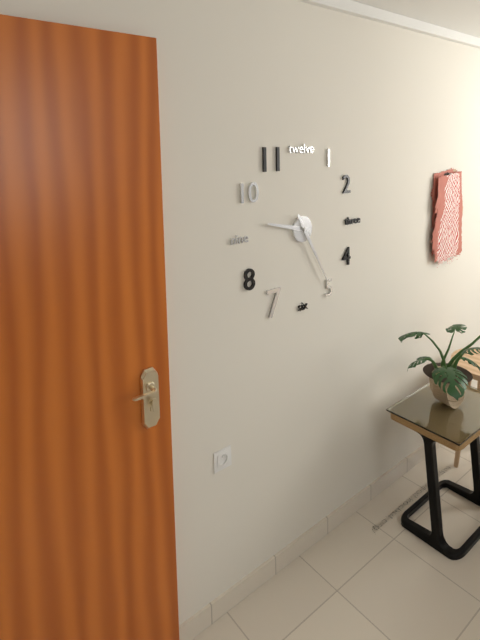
9:25
